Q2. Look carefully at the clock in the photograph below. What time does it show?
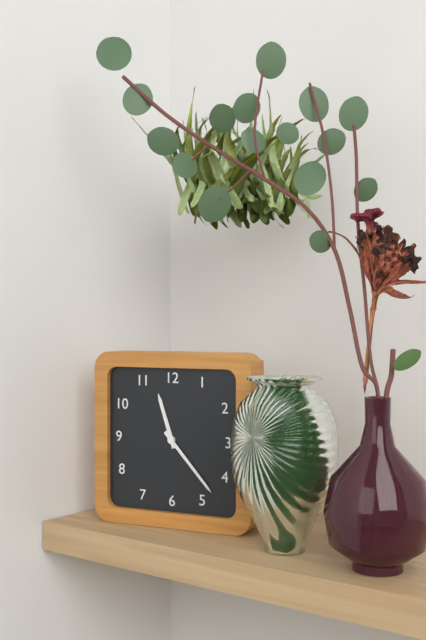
11:23
